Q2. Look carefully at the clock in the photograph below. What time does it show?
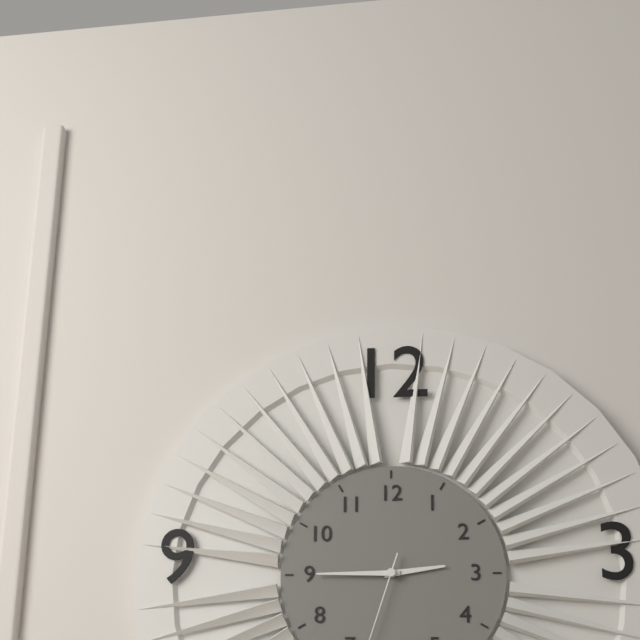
2:45
